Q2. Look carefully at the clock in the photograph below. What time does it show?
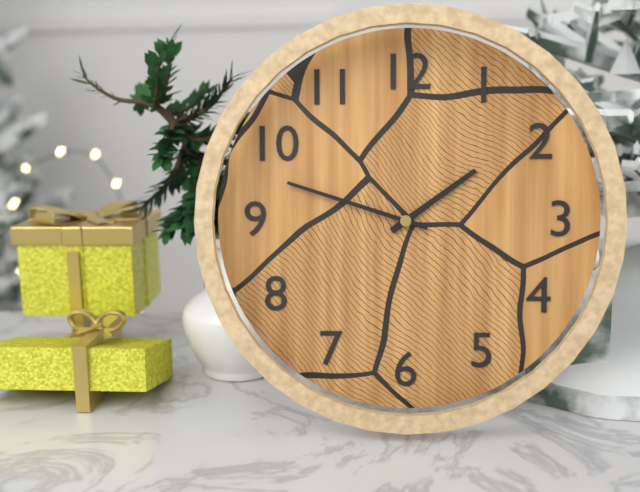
1:48
